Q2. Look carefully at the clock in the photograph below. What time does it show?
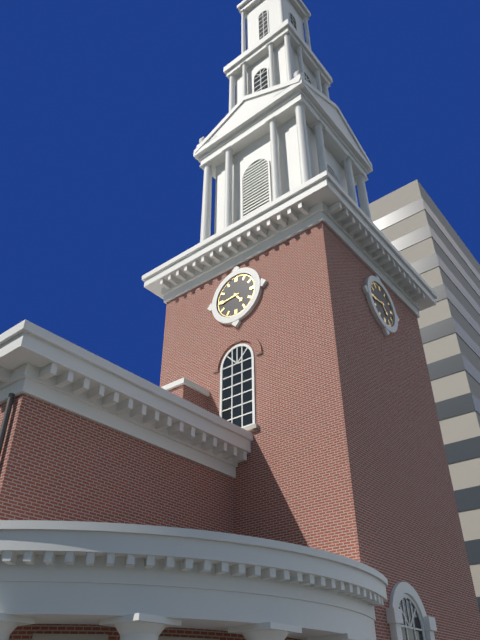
4:44
